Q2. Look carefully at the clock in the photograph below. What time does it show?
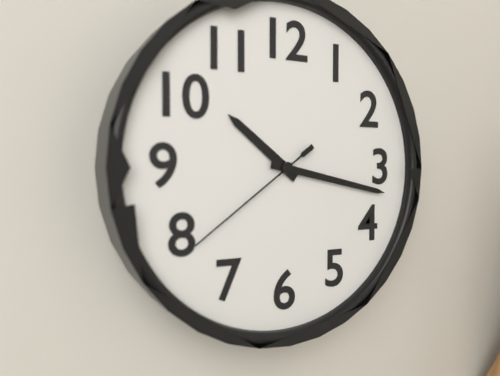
10:17:39
